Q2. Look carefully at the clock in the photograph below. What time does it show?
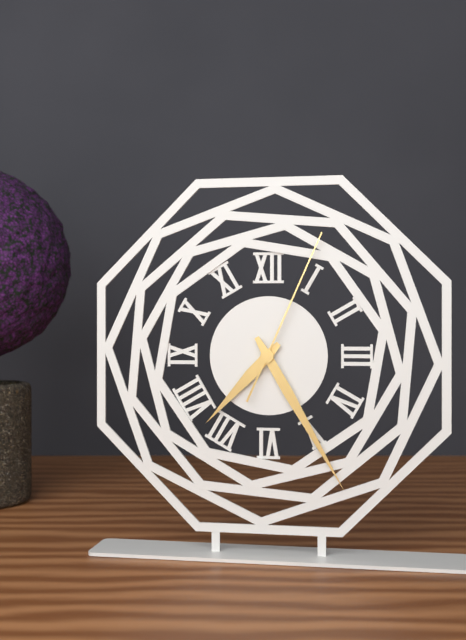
7:25:04
